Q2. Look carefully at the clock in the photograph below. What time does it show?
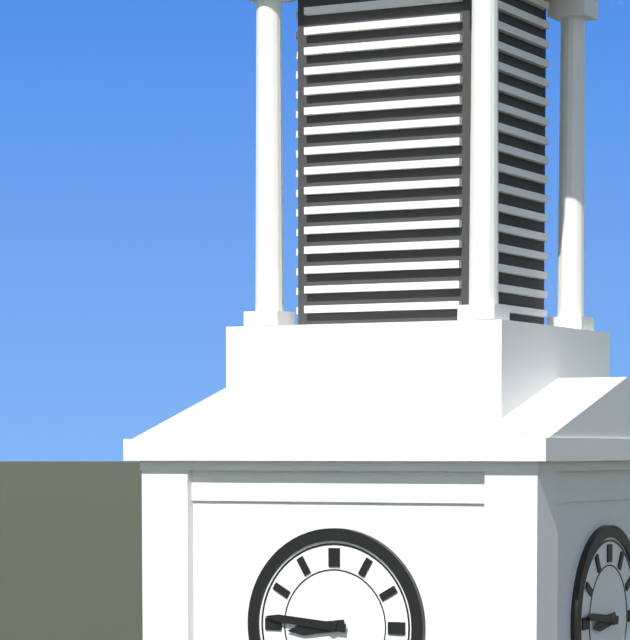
8:46
